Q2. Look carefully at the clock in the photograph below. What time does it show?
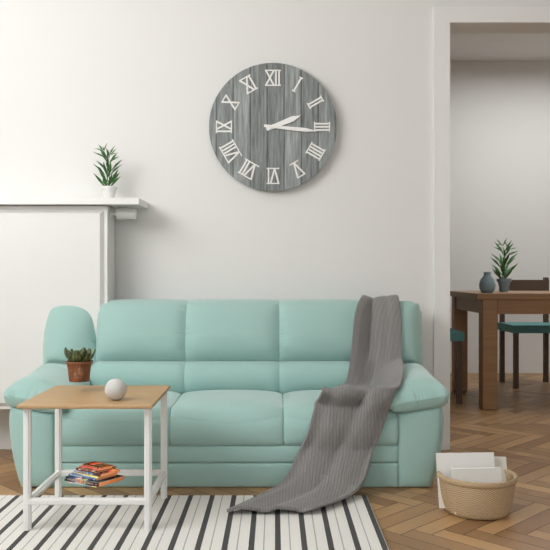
2:16
